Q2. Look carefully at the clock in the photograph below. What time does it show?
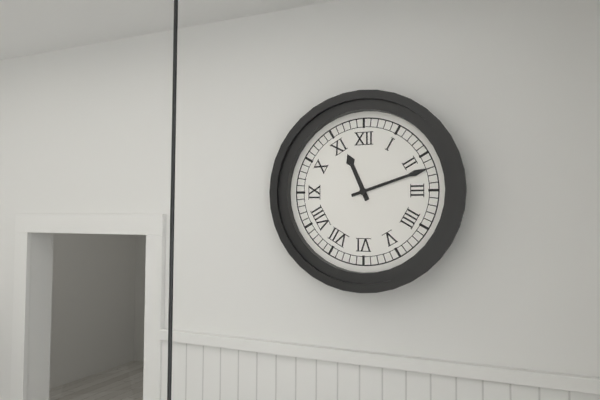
11:12
